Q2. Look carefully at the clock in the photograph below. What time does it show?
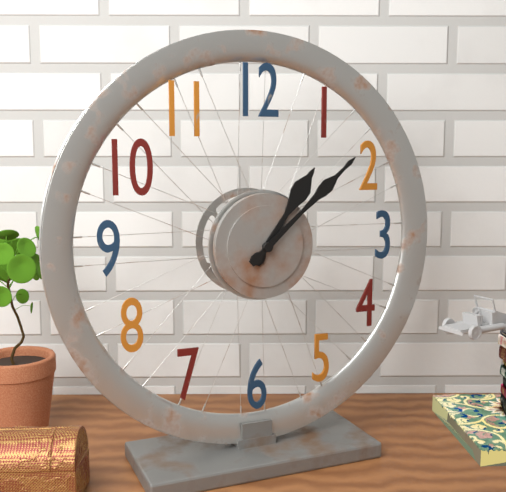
1:08
